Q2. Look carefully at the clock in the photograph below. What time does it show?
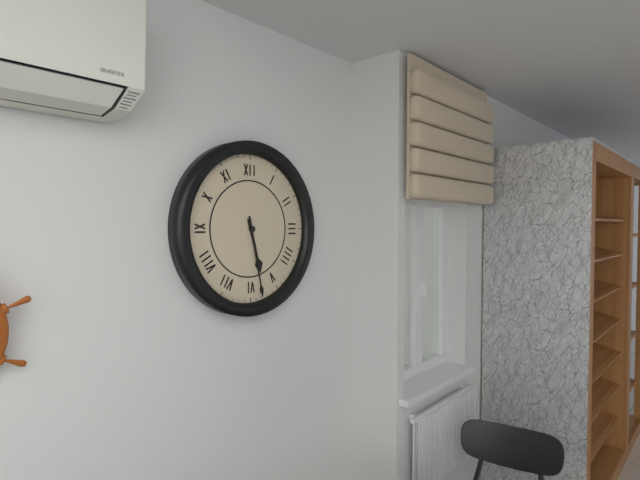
5:28
